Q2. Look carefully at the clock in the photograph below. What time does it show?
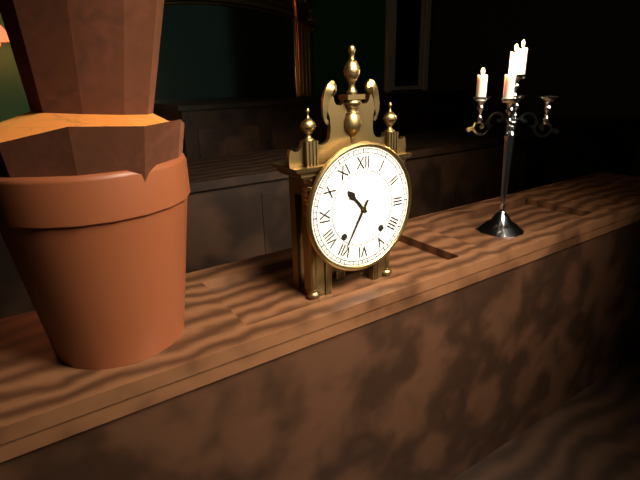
10:35
